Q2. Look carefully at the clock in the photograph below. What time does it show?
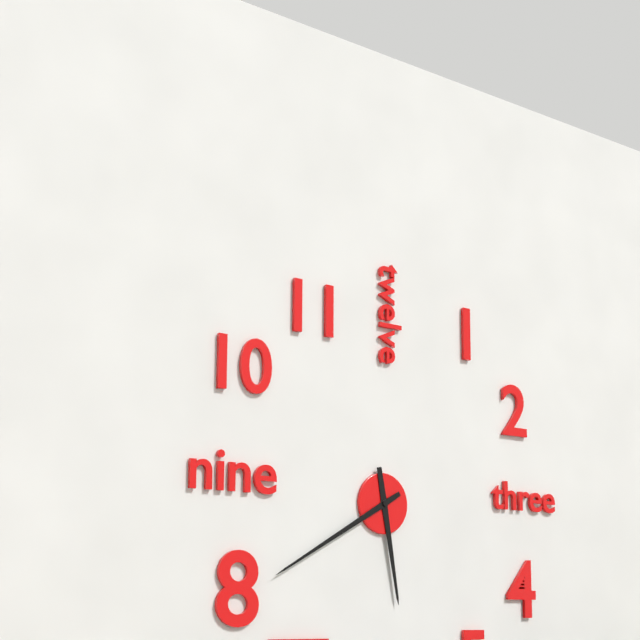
5:40
